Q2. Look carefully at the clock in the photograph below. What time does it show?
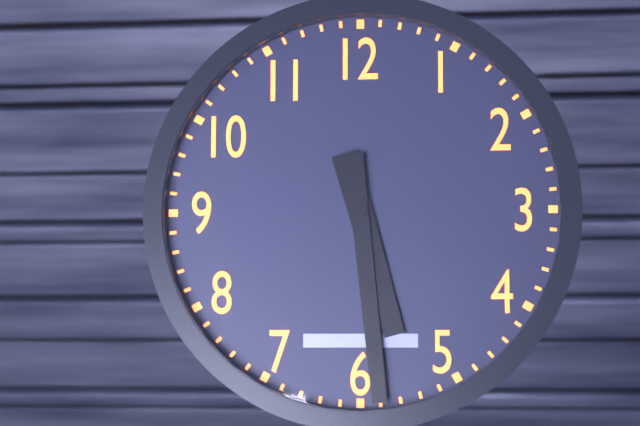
5:29
